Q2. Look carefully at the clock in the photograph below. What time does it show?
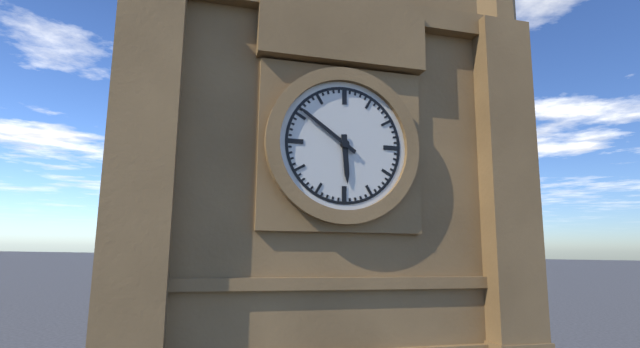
5:51
